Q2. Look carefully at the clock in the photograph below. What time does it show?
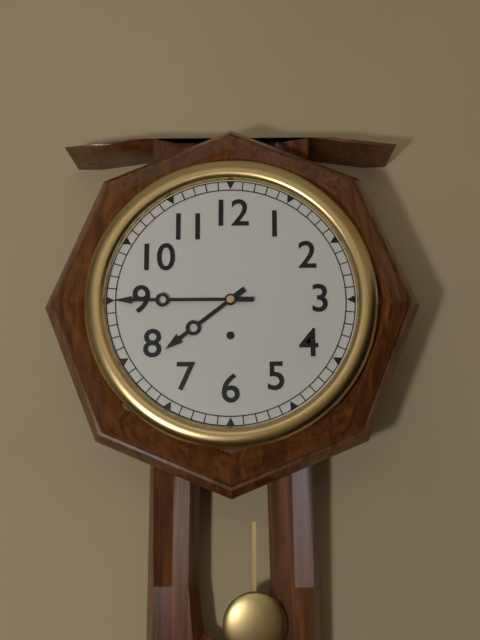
7:45
